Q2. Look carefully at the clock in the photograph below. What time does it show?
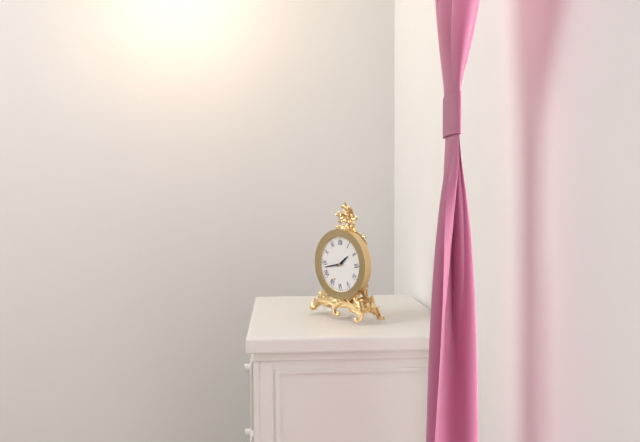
1:43
